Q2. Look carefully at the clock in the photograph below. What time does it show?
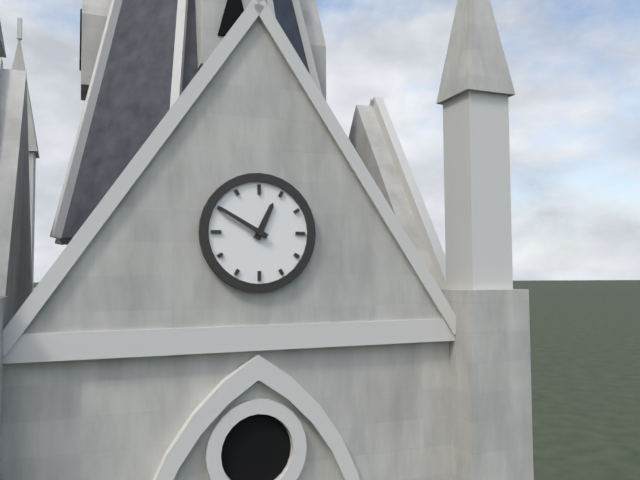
12:50
